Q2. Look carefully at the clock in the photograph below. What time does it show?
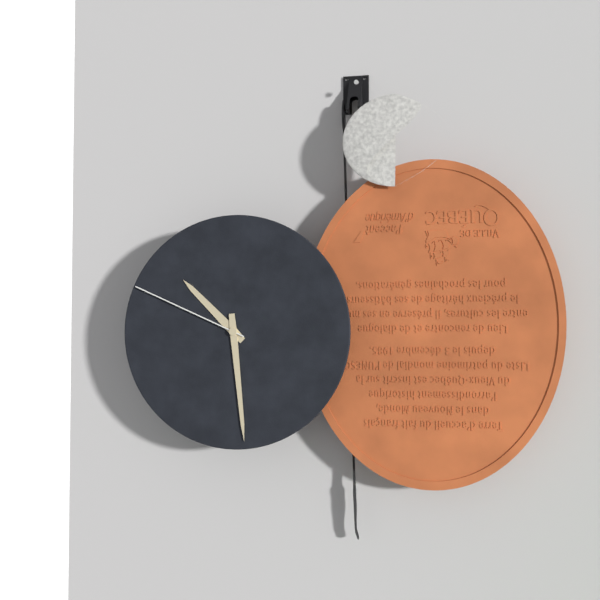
10:29:49
